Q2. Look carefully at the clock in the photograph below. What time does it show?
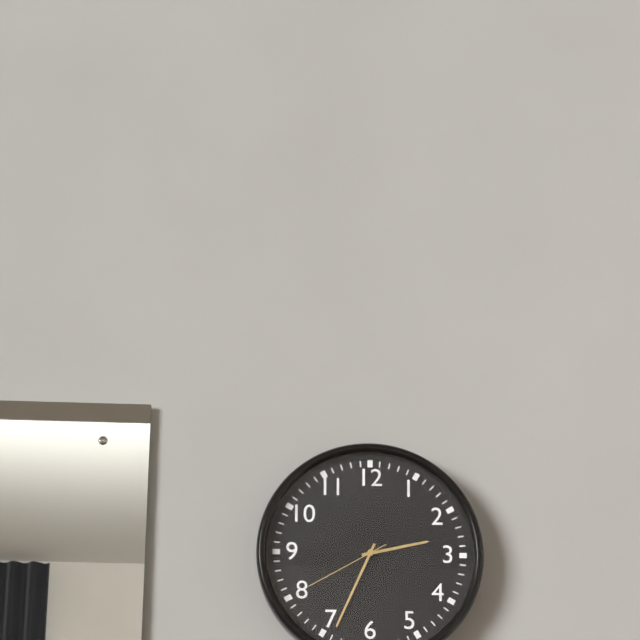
2:34:40
